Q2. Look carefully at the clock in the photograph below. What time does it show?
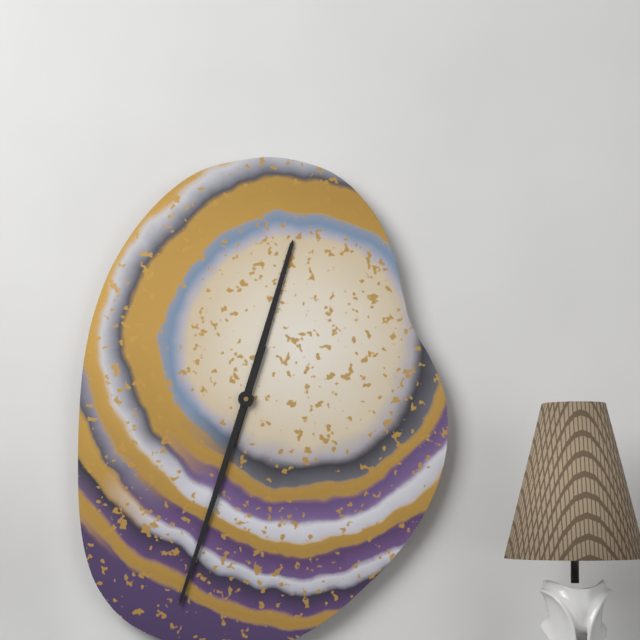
12:33
